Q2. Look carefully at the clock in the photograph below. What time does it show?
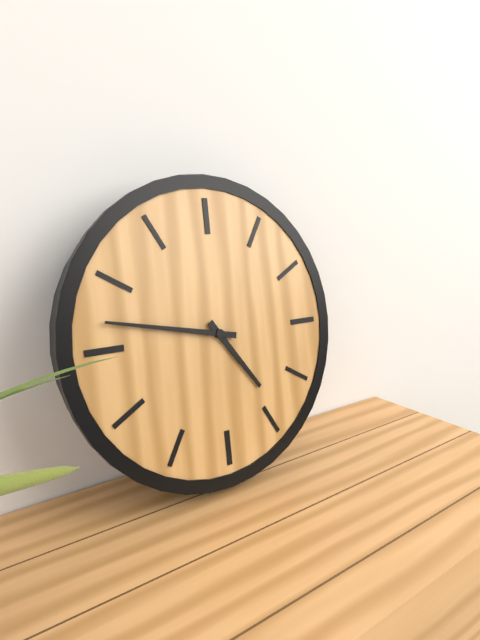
4:47
